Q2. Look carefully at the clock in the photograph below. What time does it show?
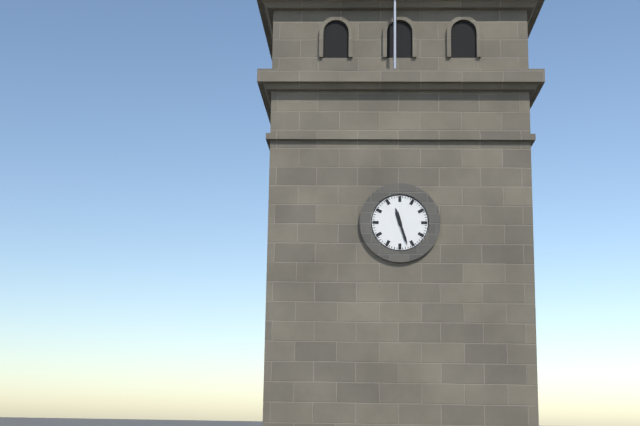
11:27
